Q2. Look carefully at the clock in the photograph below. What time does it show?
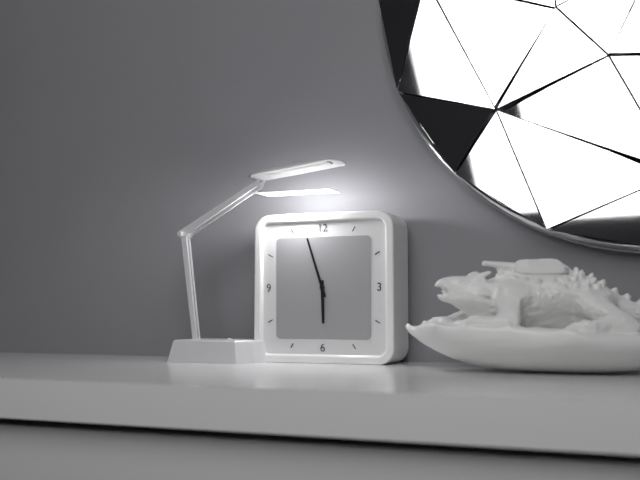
5:57
